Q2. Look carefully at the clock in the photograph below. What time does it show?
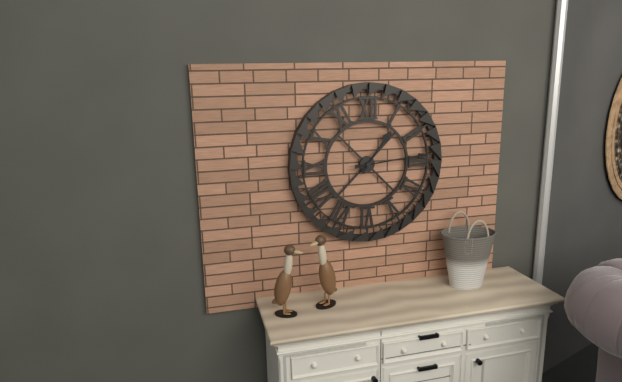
1:14
